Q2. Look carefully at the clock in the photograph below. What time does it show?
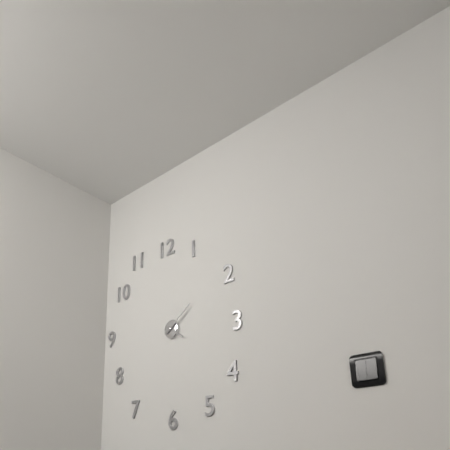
4:09
